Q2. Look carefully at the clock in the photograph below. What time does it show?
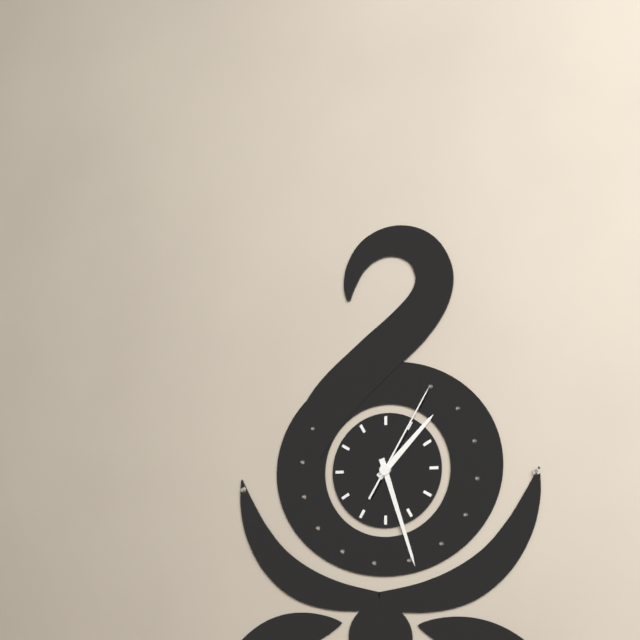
1:27:05
